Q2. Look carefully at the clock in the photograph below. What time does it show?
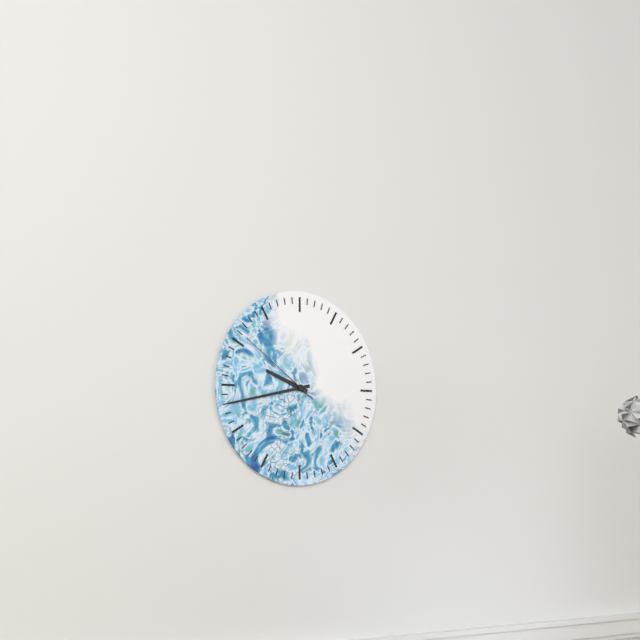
9:43:51
